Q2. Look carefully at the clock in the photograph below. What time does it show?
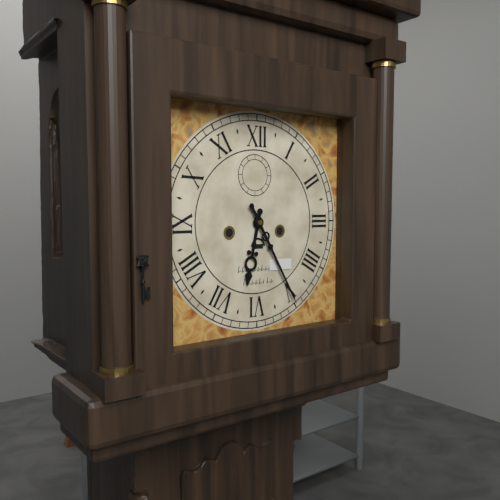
6:25
